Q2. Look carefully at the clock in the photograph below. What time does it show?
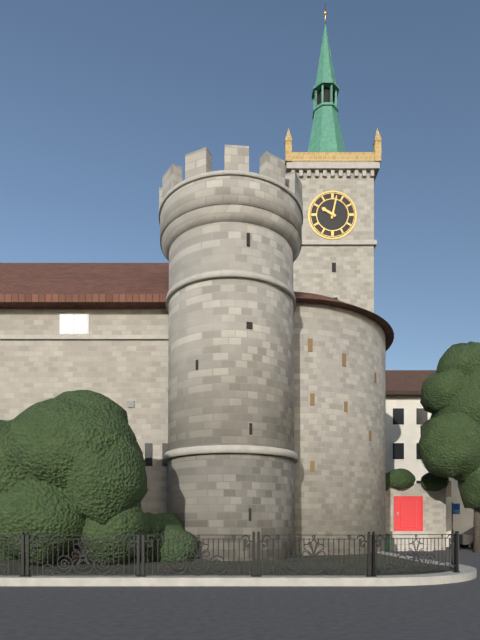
10:02
